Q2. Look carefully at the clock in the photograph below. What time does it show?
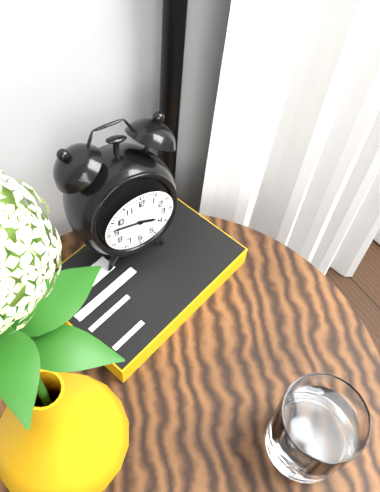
3:47
